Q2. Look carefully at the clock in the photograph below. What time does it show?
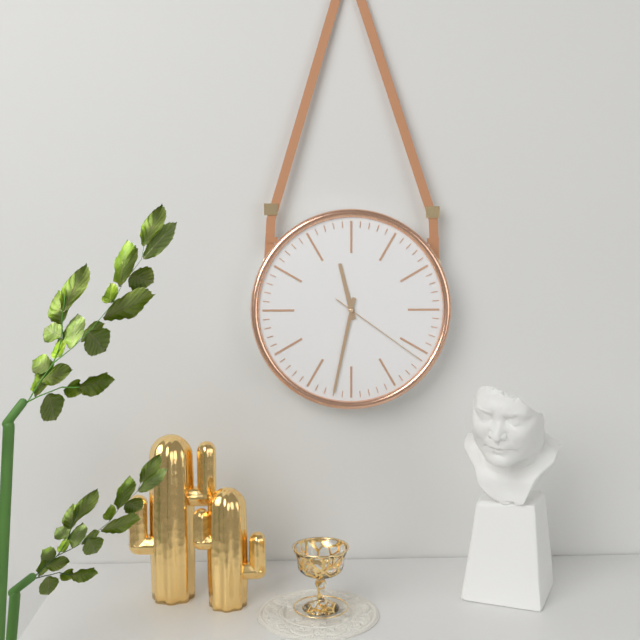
11:32:21
